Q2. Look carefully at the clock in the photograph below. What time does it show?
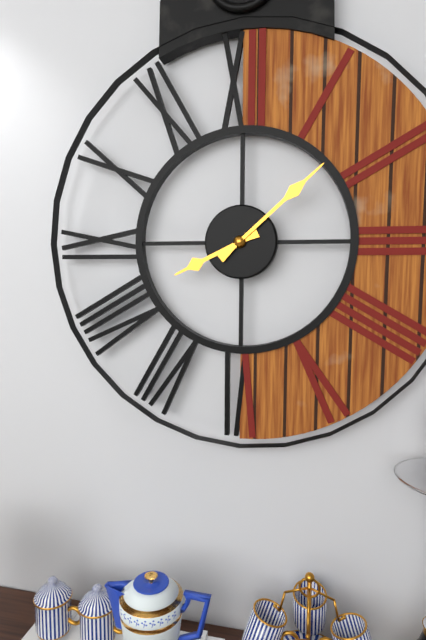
8:08
